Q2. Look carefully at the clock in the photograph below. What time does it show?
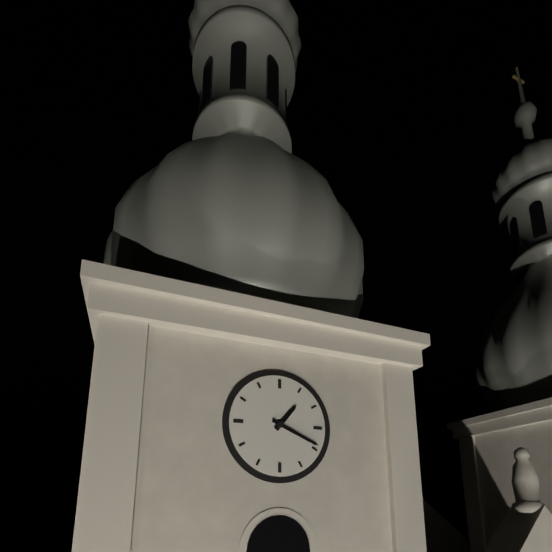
1:19
